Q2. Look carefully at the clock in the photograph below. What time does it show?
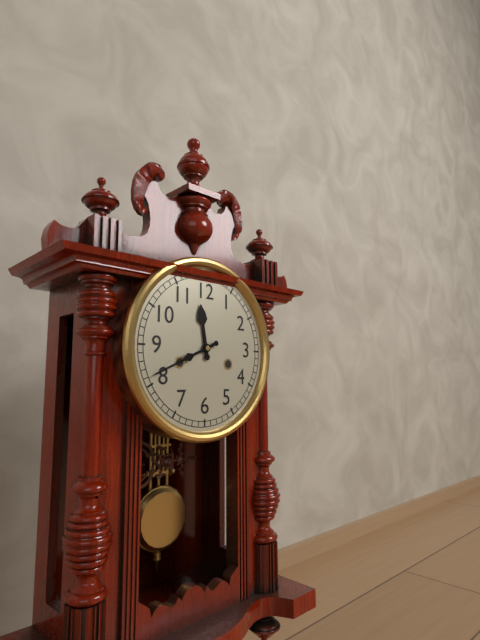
11:41
